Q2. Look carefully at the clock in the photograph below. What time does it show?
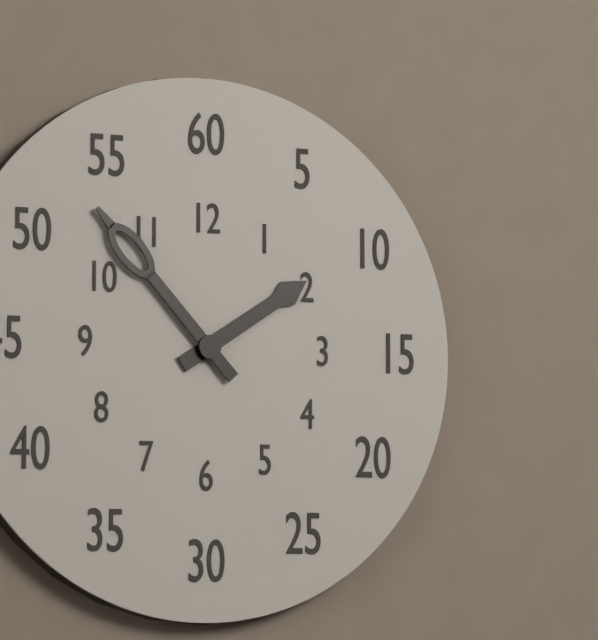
1:53
